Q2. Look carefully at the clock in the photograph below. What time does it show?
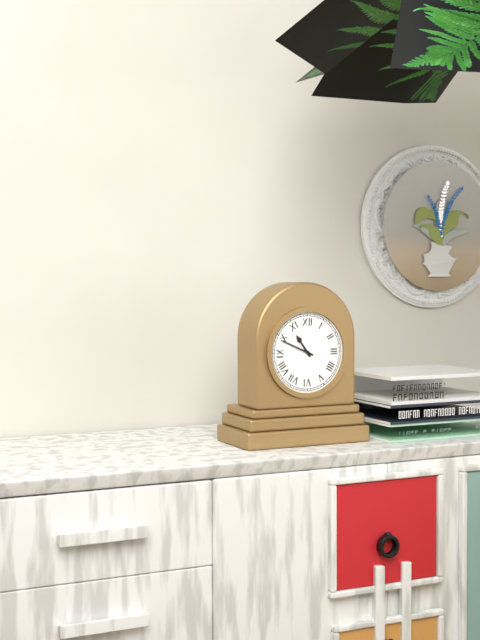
10:49
